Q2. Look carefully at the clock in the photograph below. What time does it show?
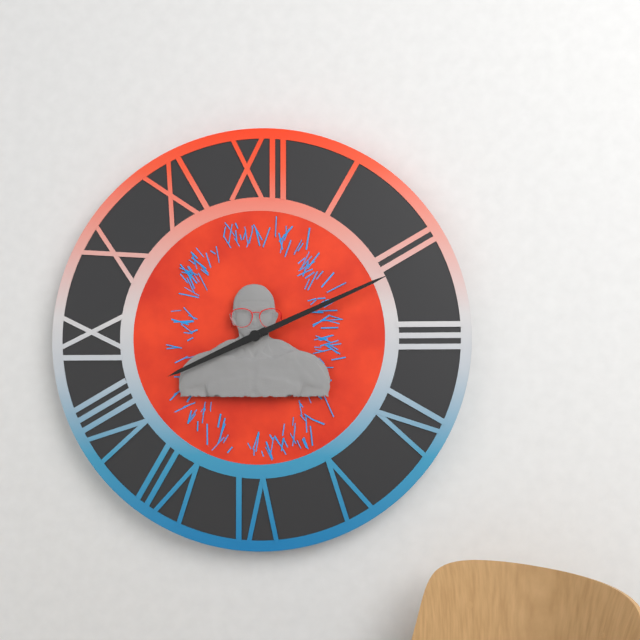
8:11
